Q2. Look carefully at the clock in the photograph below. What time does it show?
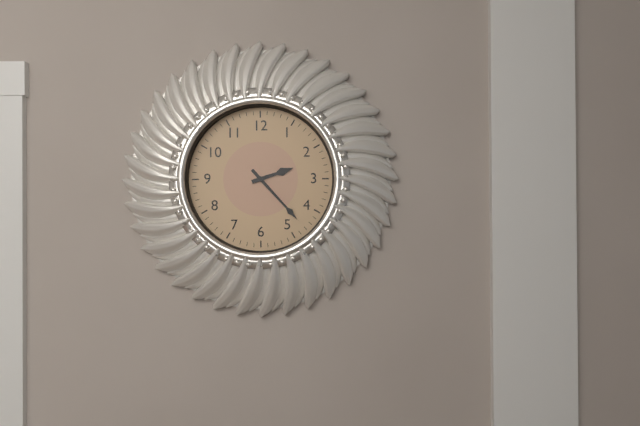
2:23
